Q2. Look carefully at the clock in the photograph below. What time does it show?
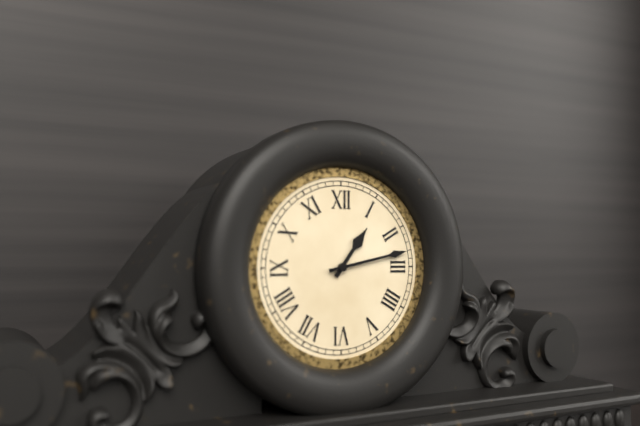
1:13
